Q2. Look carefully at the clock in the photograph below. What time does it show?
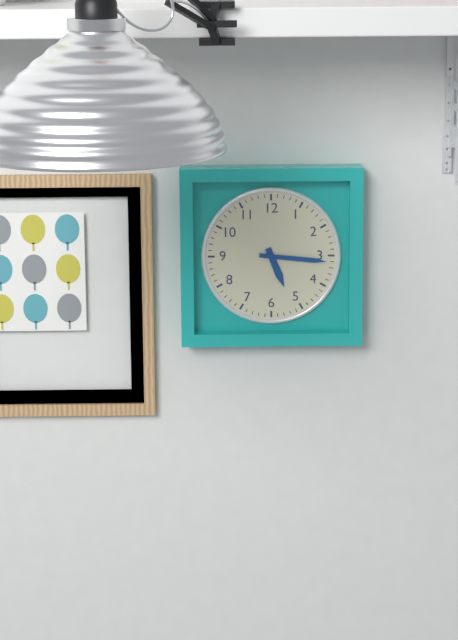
5:16
